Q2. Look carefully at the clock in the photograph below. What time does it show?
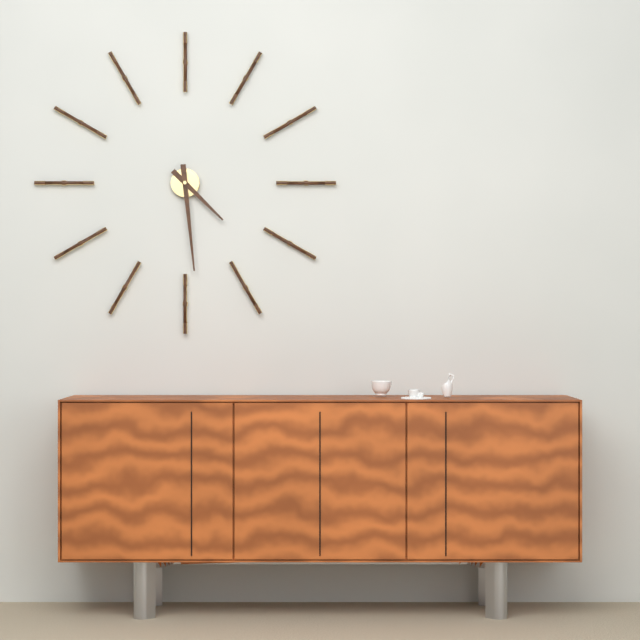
4:29
